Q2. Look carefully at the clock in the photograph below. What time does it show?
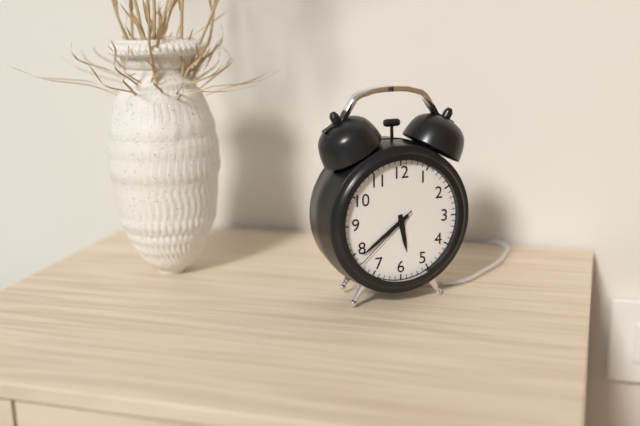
5:39:38
